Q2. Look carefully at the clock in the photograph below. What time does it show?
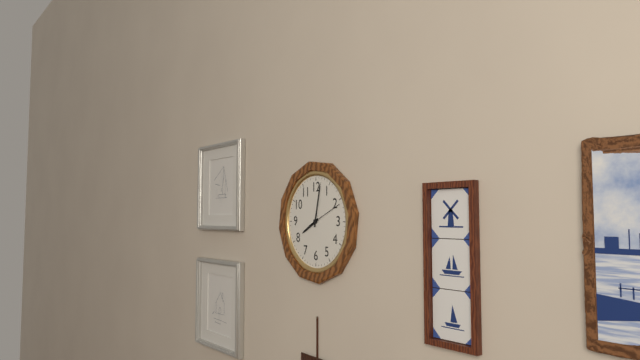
8:02
